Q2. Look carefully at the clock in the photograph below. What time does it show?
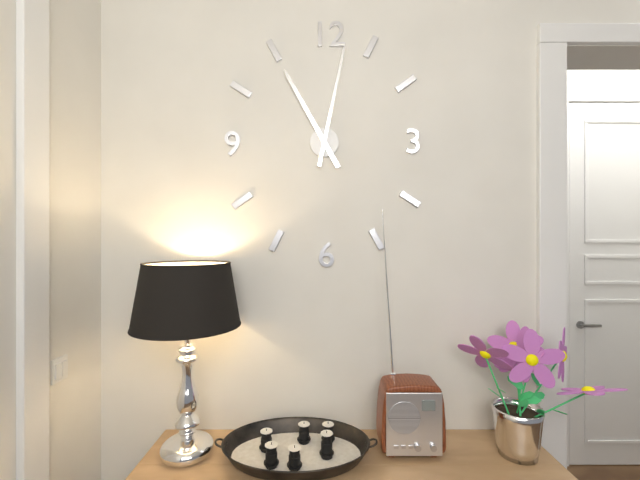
11:02
